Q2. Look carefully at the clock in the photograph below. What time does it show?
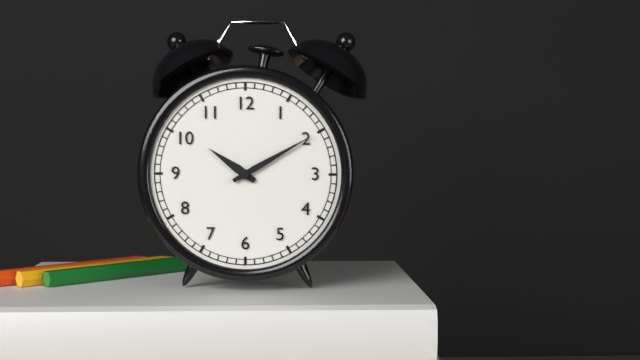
10:10
